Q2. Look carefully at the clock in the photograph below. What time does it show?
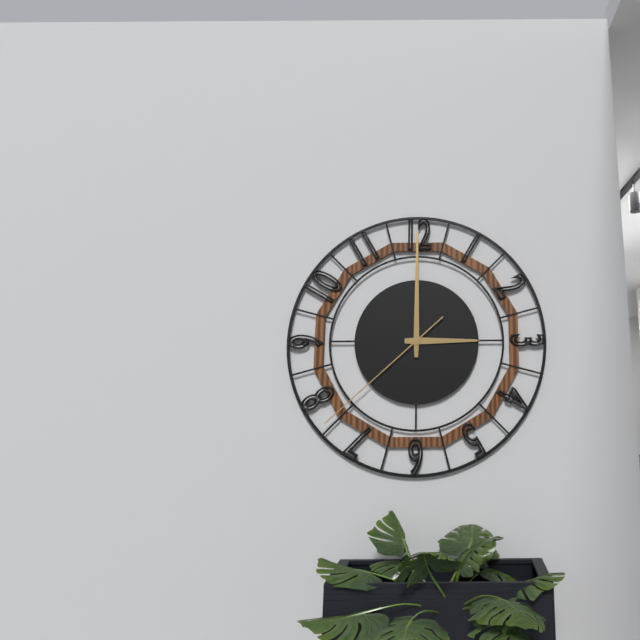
3:00:38
